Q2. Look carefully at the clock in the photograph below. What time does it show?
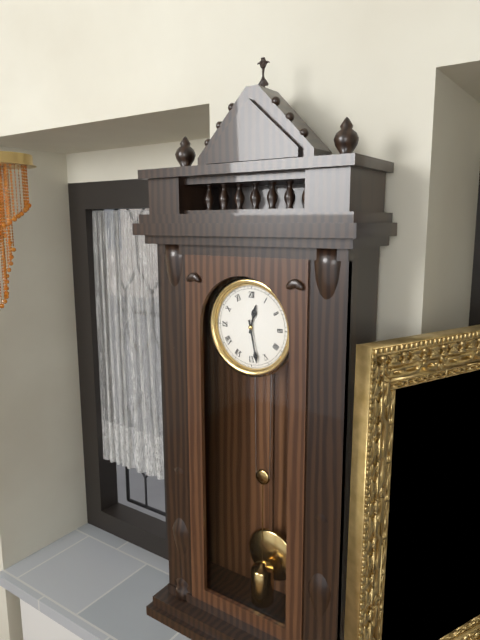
12:28
